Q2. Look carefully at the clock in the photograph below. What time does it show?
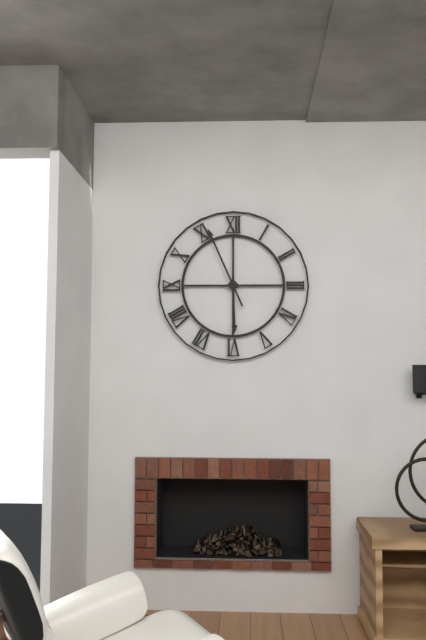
5:56
